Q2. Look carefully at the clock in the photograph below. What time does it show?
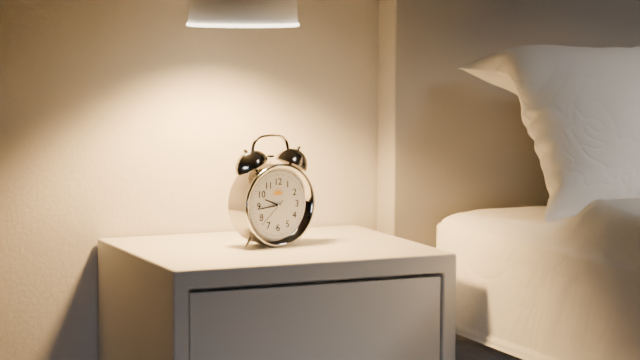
9:44
